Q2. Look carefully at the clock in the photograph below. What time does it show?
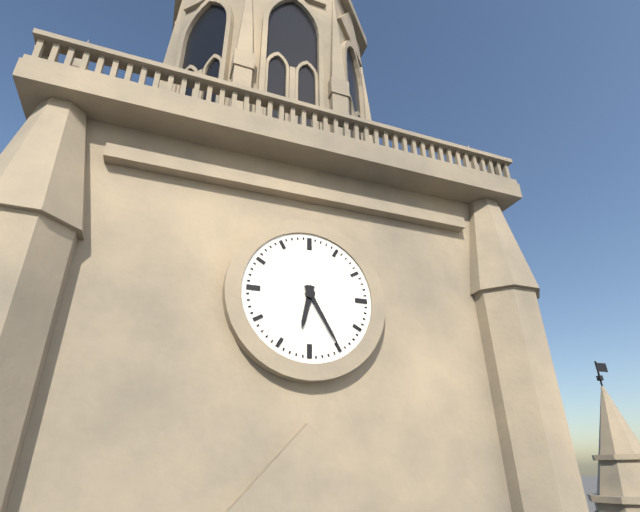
6:25
